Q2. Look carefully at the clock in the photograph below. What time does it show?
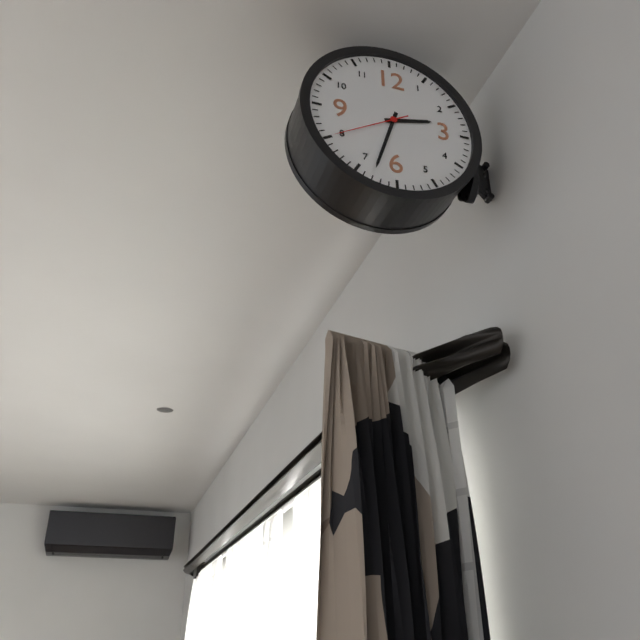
2:33:40
